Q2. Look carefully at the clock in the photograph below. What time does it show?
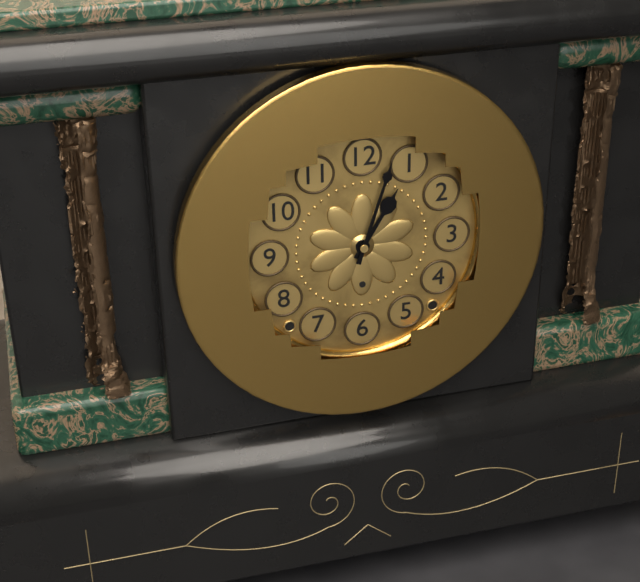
1:03
